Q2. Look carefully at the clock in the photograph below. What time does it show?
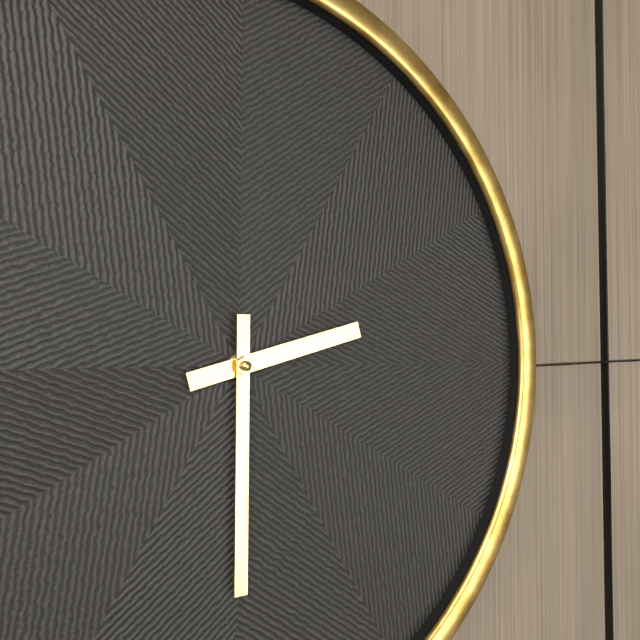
2:30
